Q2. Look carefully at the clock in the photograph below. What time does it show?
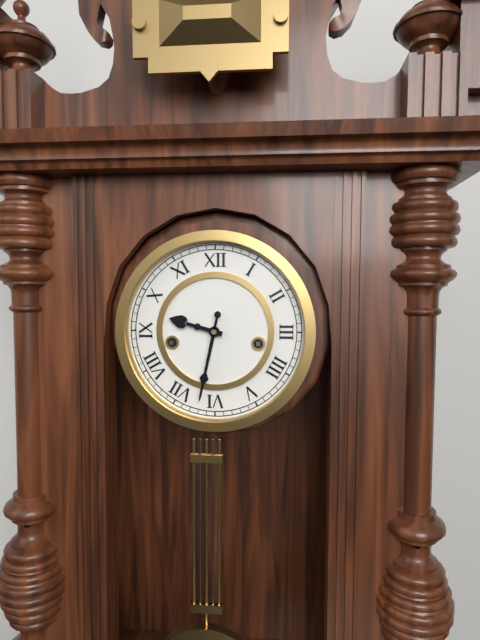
9:32
